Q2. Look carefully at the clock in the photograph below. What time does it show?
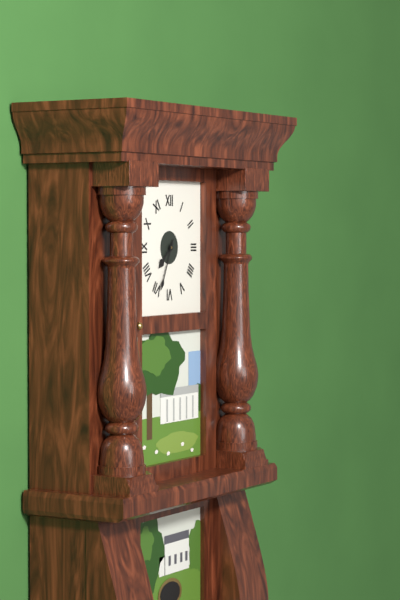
7:34
